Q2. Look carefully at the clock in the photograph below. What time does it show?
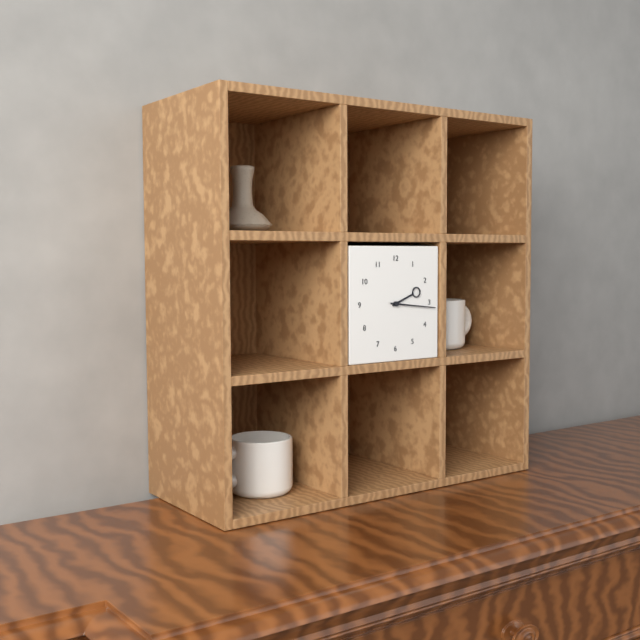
2:16
